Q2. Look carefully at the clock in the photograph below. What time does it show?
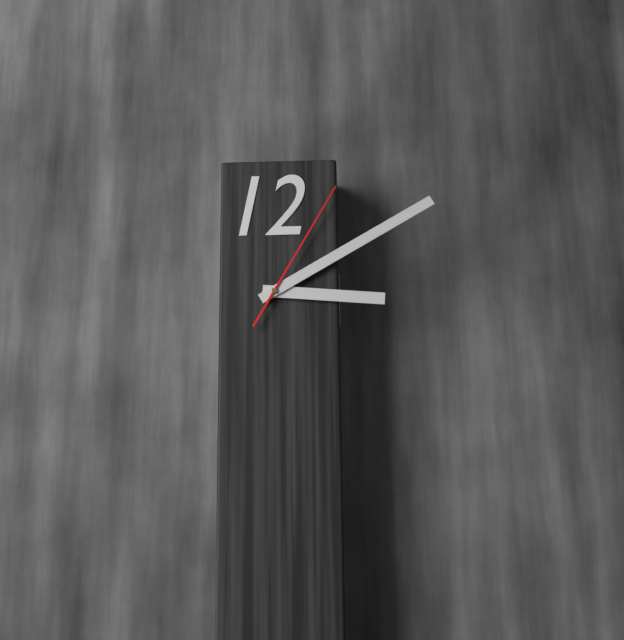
3:10:05
